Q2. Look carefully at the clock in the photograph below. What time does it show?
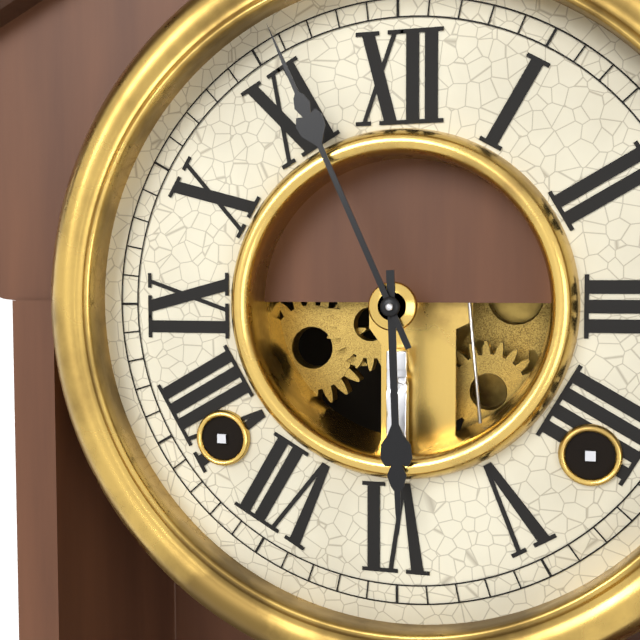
5:56
